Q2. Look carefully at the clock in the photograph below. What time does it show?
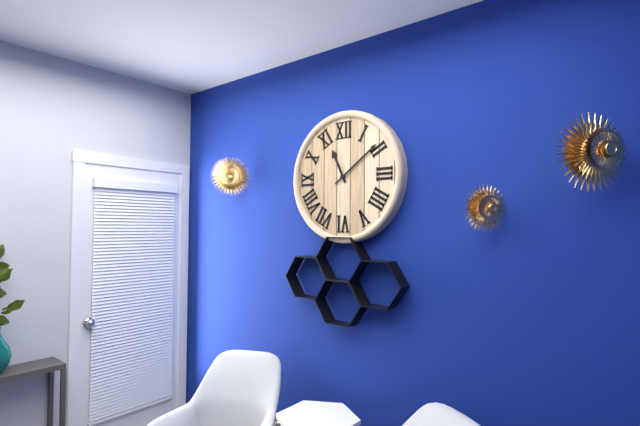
11:09
